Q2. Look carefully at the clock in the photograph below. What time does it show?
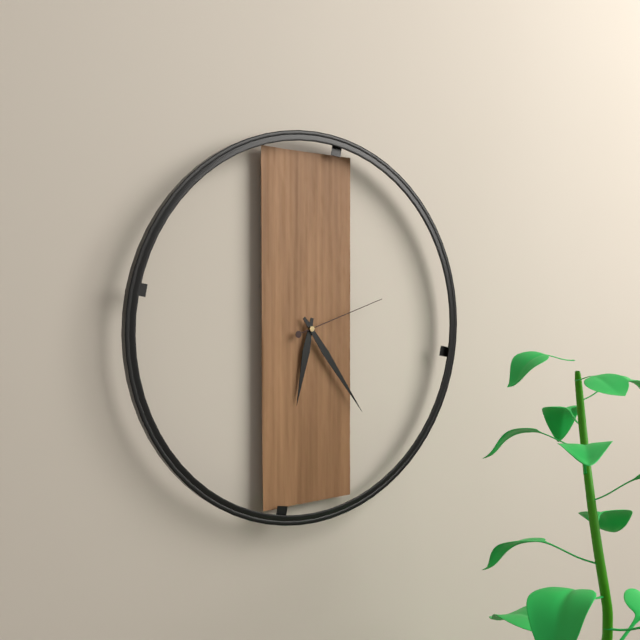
6:24:12
